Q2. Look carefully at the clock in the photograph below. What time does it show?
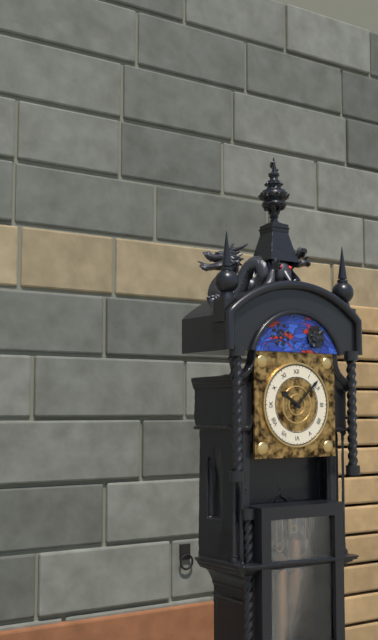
10:08
